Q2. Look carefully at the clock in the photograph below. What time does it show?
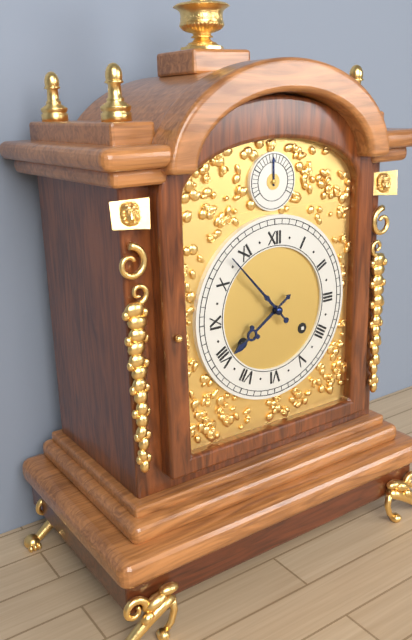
7:53
